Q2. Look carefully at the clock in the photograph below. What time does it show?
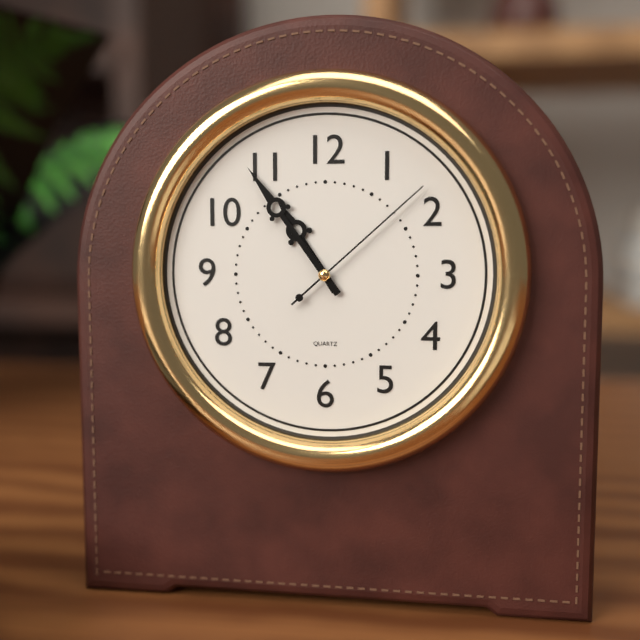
10:54:08
